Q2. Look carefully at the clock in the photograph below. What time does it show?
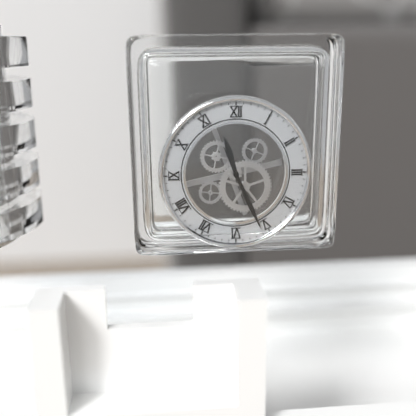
11:26
